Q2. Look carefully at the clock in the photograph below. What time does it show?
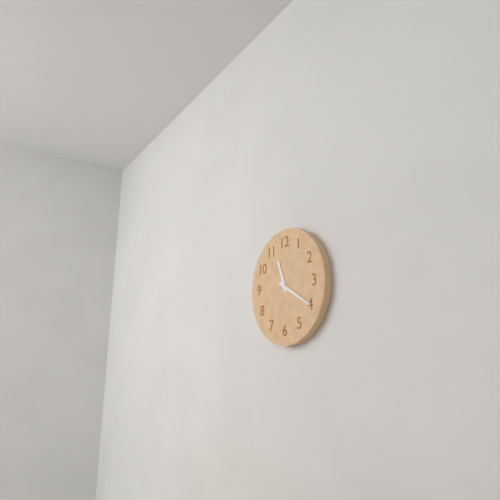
11:20
